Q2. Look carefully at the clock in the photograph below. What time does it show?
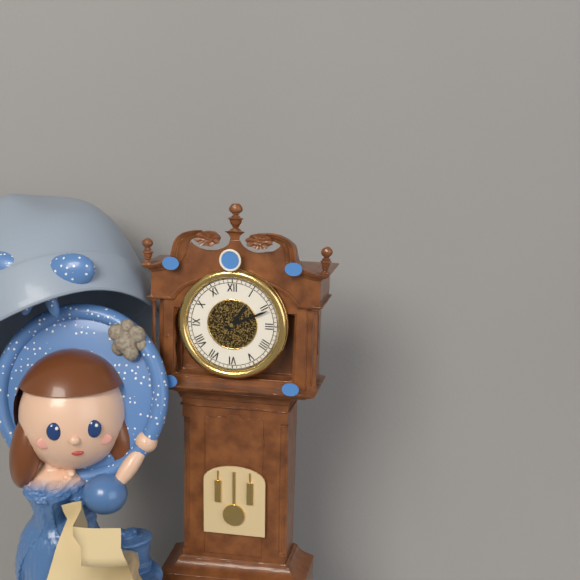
1:11
